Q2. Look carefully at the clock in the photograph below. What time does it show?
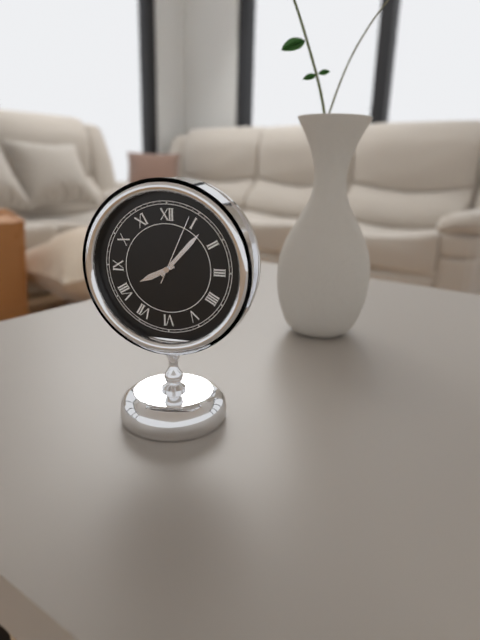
8:07:04
